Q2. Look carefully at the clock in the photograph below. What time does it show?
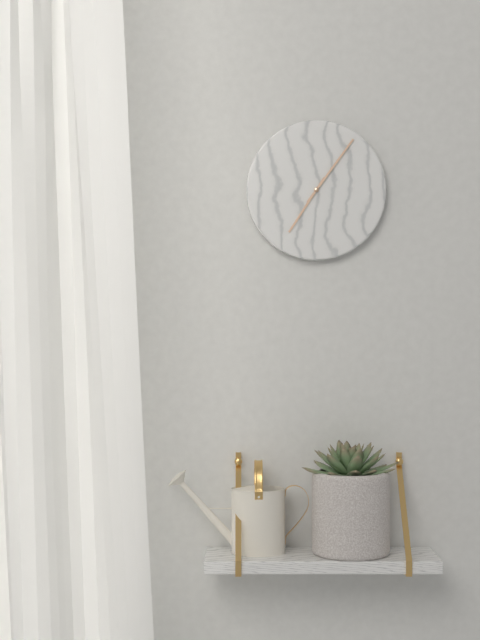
7:06
